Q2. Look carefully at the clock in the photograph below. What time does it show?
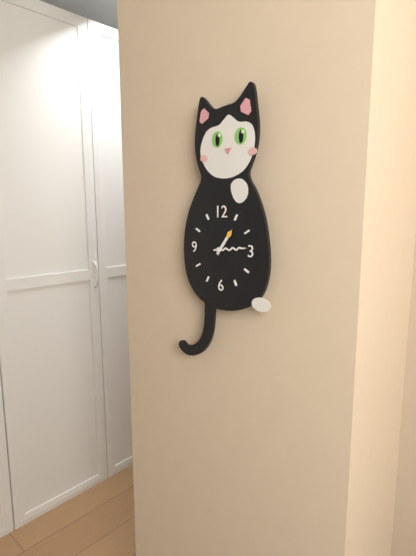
1:14
